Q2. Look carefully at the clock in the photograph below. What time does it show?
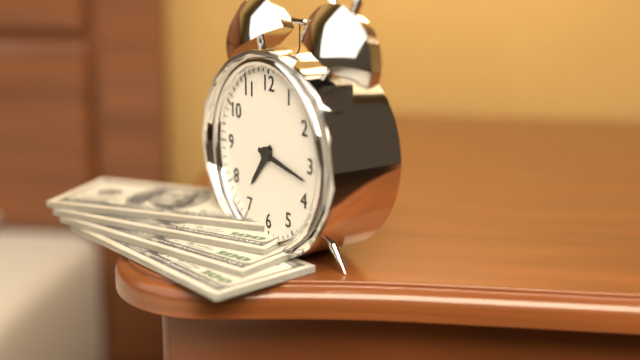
7:17
